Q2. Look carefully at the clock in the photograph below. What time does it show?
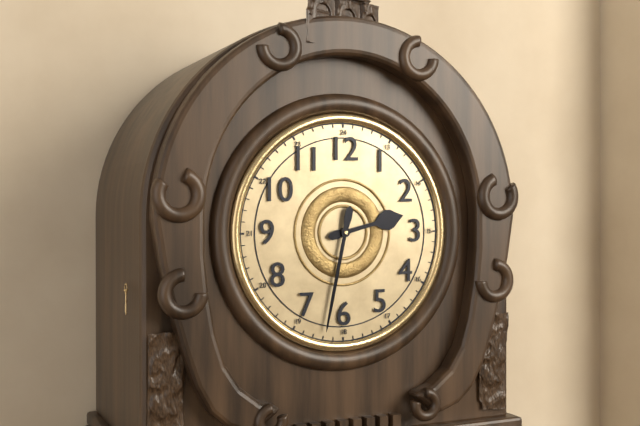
2:32
